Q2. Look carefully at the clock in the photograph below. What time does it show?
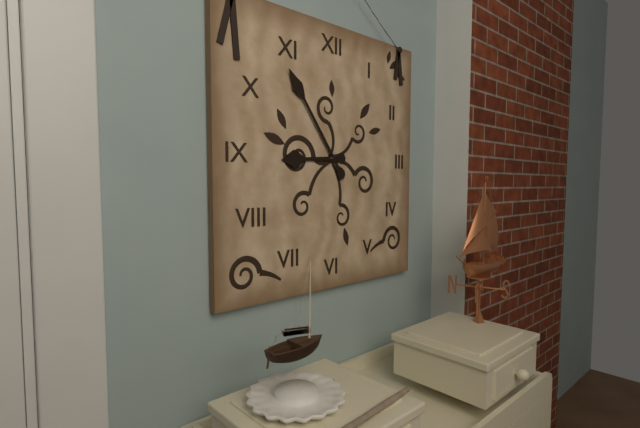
8:54
